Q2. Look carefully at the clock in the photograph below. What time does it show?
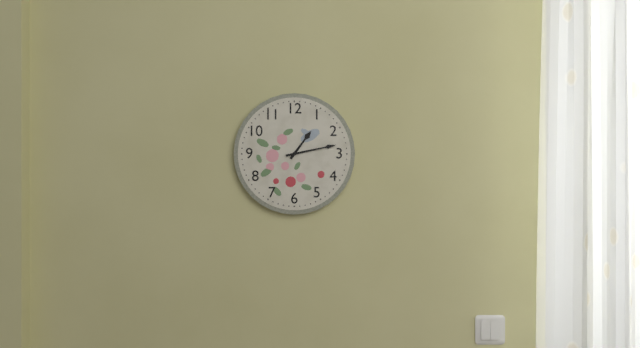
1:13
